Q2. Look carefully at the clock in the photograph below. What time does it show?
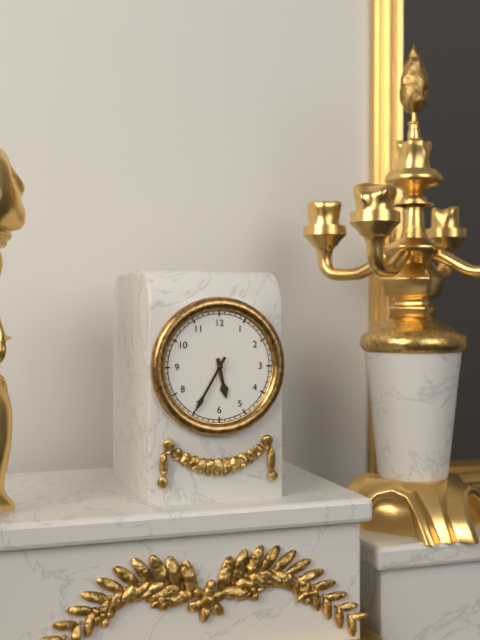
5:35
